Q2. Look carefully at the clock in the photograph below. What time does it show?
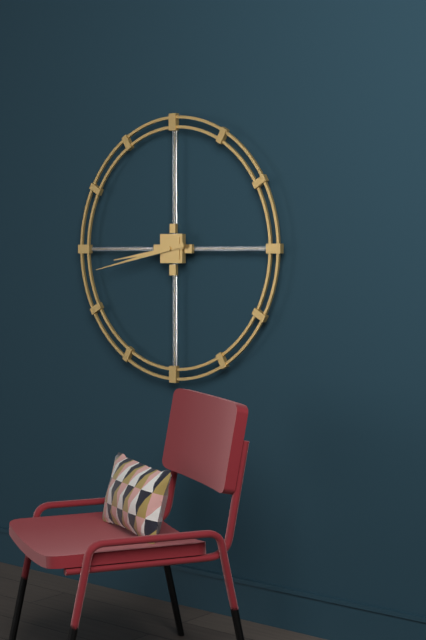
8:43
